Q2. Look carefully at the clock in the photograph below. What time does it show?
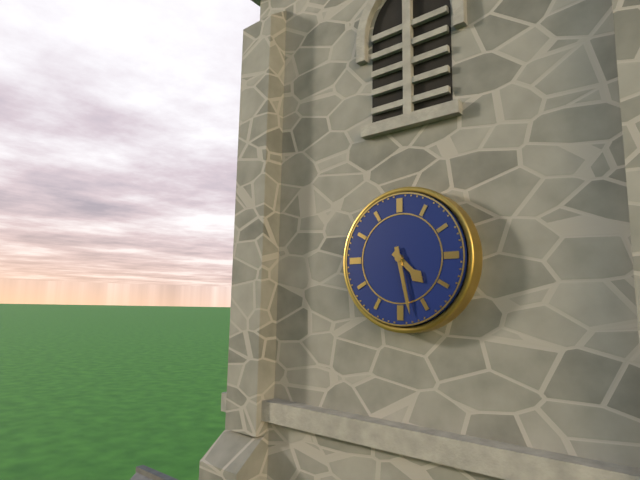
4:28
